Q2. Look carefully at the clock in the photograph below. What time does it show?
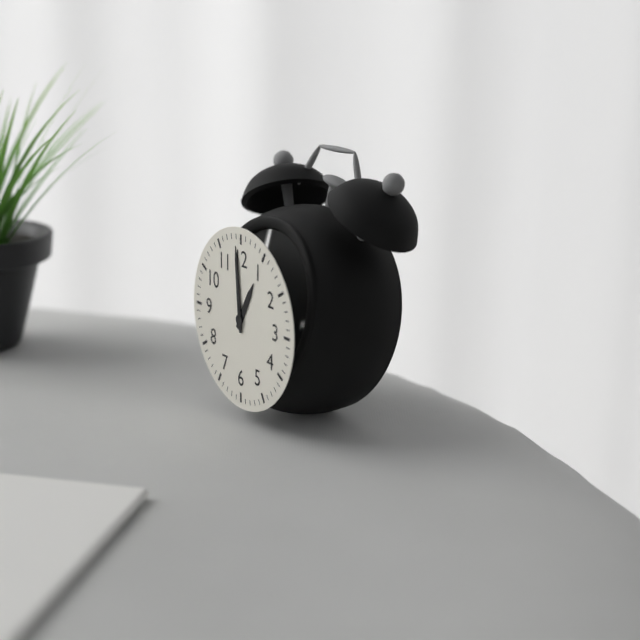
12:59
